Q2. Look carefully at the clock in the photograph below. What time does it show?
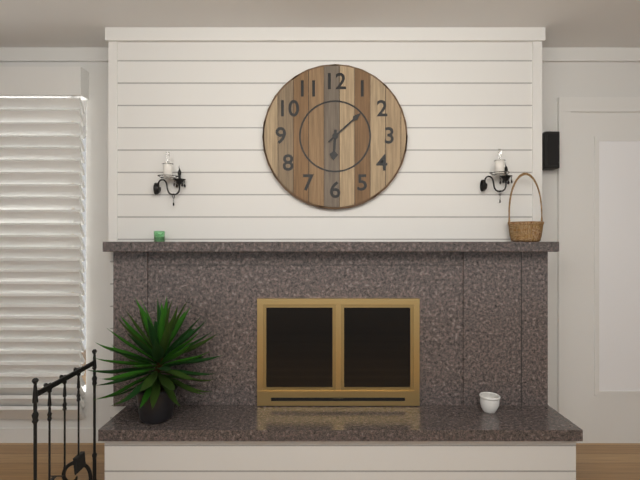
6:08
